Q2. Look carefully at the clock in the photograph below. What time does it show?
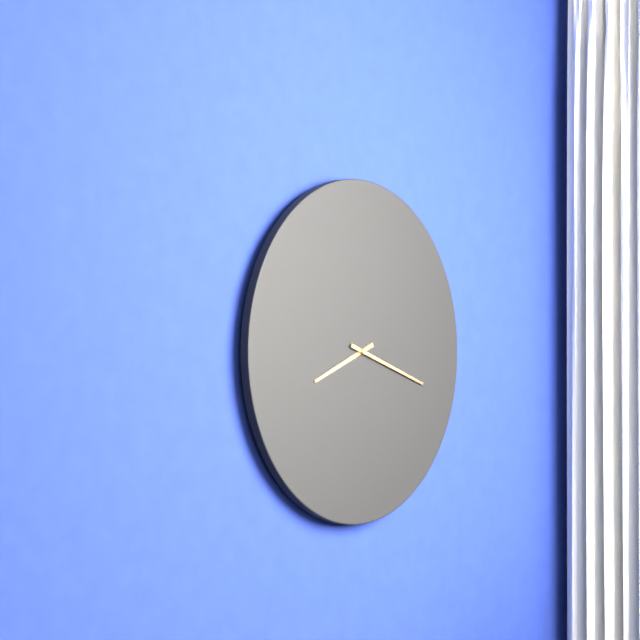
8:18
